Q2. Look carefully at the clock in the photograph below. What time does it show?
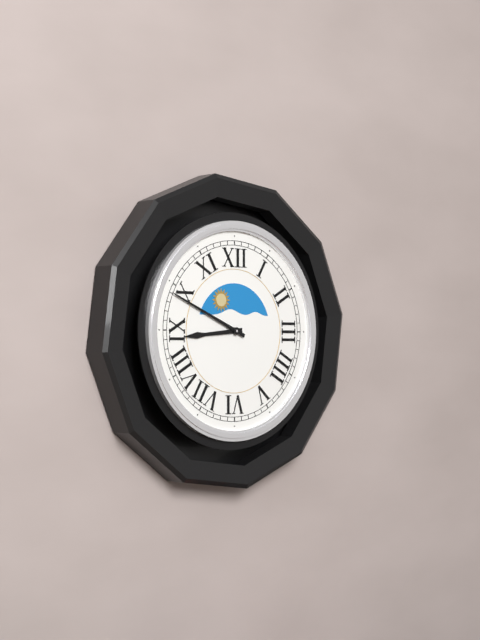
8:49
